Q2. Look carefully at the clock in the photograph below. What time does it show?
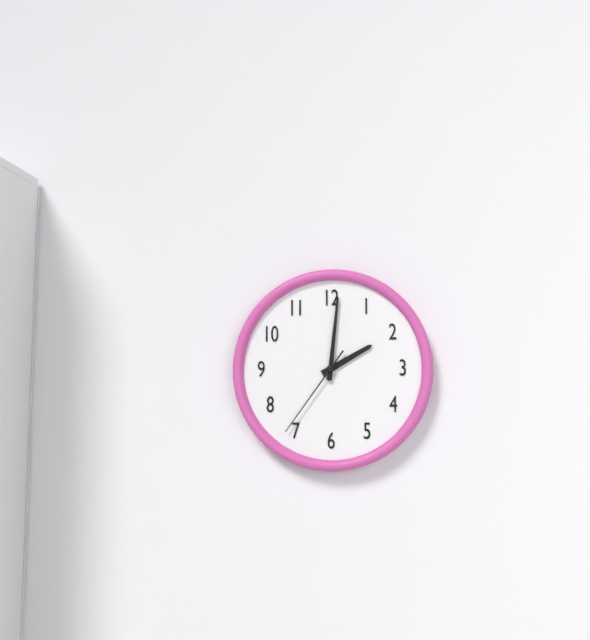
2:01:36
